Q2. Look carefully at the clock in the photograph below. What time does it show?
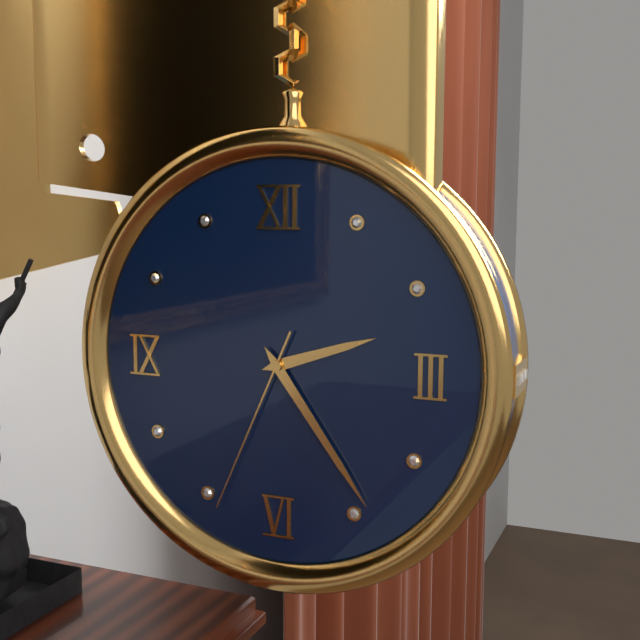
2:24:34
